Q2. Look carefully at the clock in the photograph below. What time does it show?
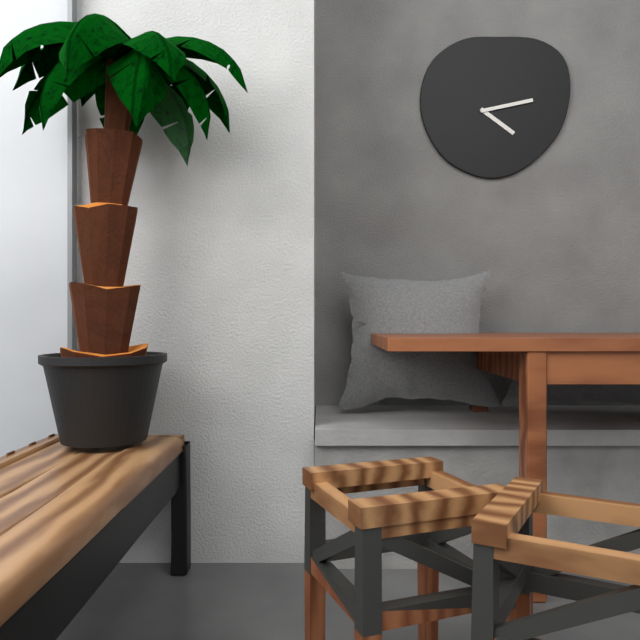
4:13
